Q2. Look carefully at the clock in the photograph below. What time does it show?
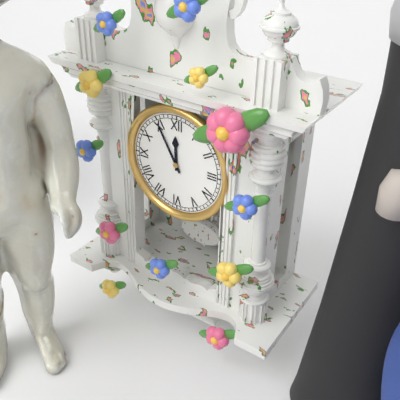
11:55
